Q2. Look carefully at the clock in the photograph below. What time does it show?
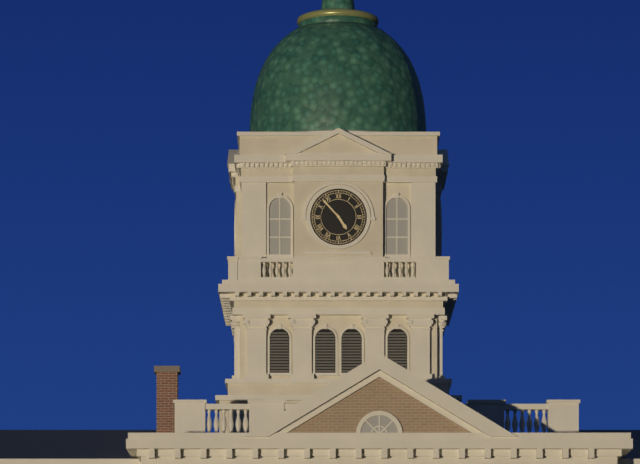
4:53
